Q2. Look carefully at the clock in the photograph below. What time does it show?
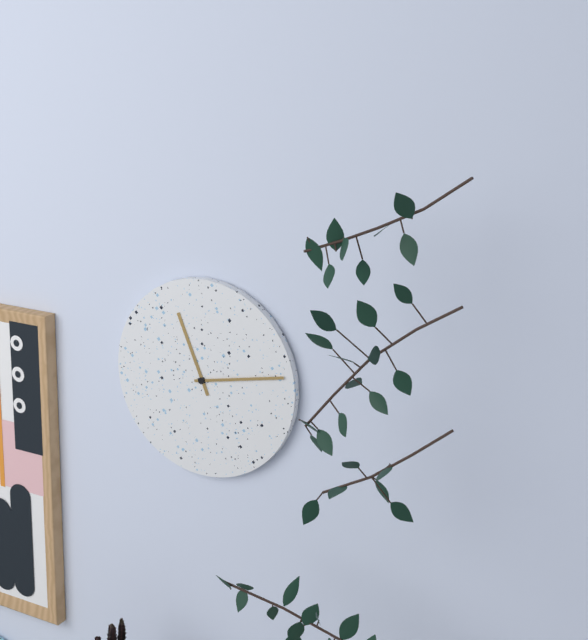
11:13
